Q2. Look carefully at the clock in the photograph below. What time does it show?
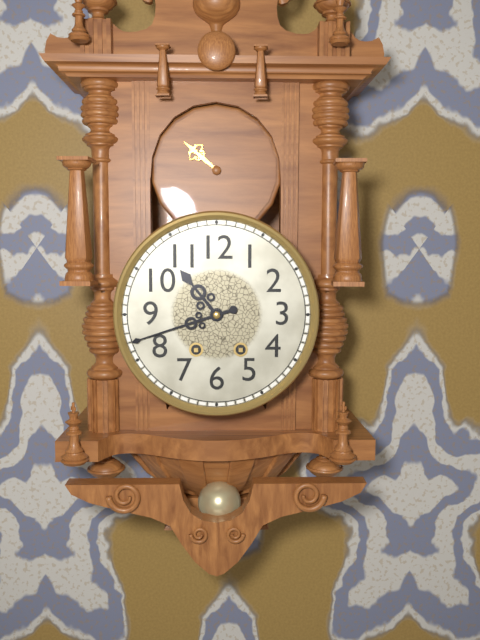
10:42
